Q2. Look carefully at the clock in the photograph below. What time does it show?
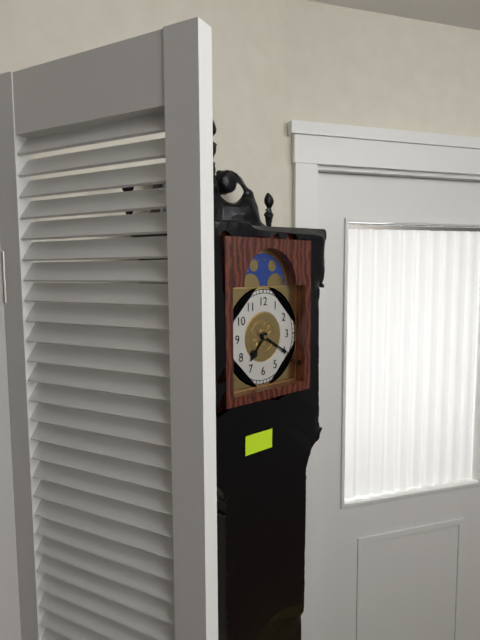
7:20
